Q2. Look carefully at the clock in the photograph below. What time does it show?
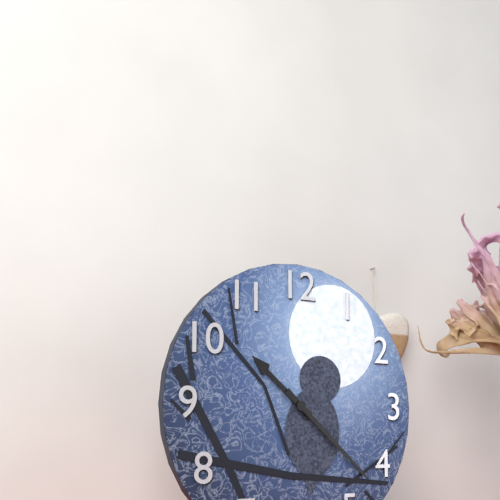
10:22
